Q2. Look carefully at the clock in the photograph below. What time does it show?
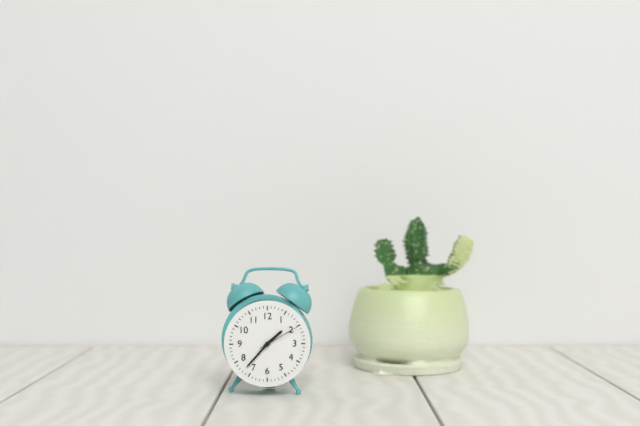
1:37
